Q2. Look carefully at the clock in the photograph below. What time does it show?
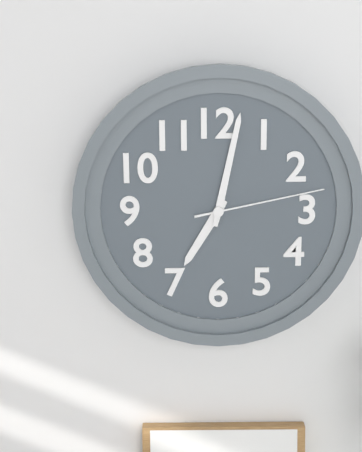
7:02:13
